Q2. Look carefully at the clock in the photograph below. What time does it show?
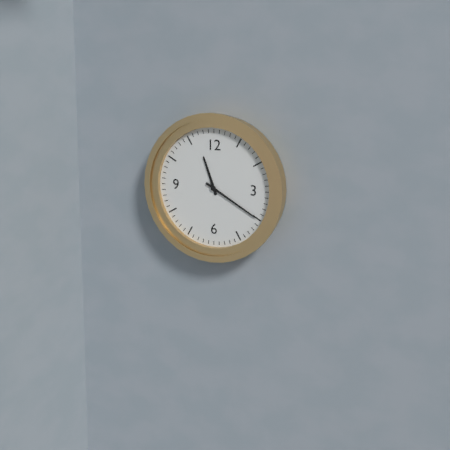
11:20
